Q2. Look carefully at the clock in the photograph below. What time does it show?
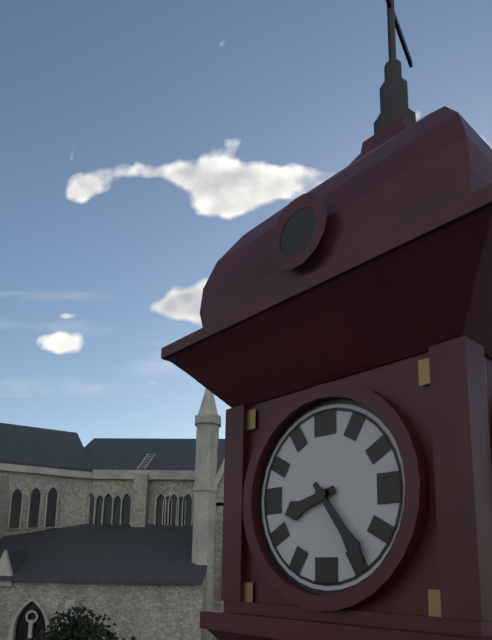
8:24
